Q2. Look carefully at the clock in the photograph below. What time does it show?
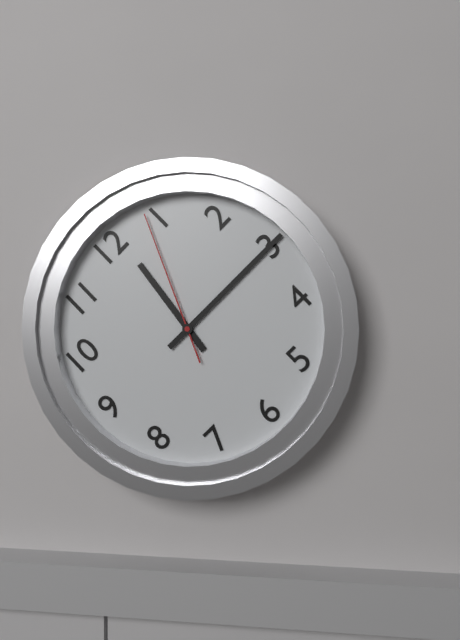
12:15:04
